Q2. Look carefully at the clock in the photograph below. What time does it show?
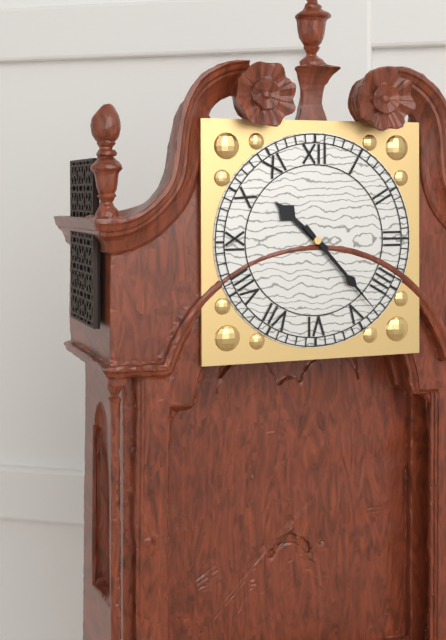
10:23
